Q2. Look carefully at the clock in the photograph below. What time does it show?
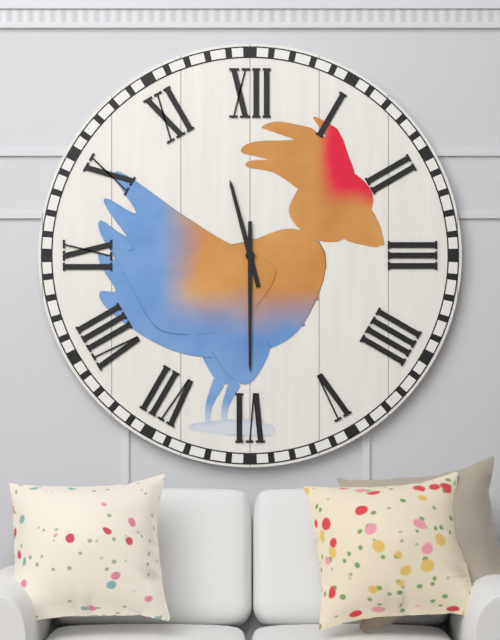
11:30
